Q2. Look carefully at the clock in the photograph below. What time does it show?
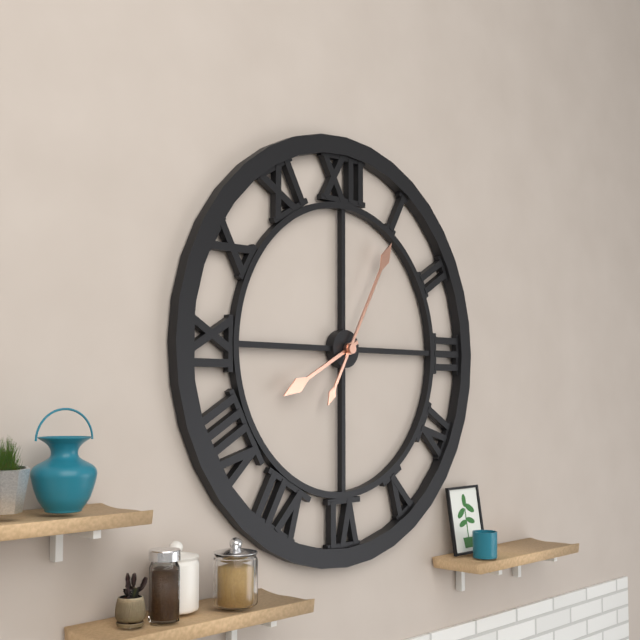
8:05
